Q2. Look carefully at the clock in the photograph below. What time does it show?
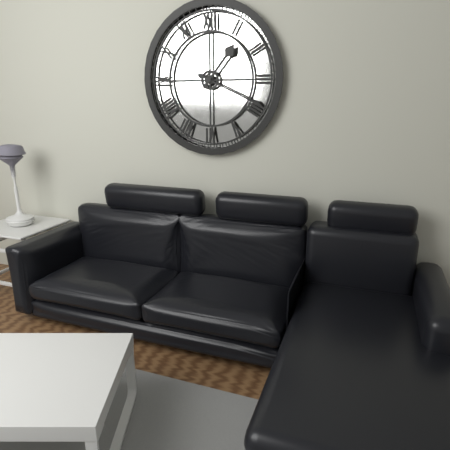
1:19
